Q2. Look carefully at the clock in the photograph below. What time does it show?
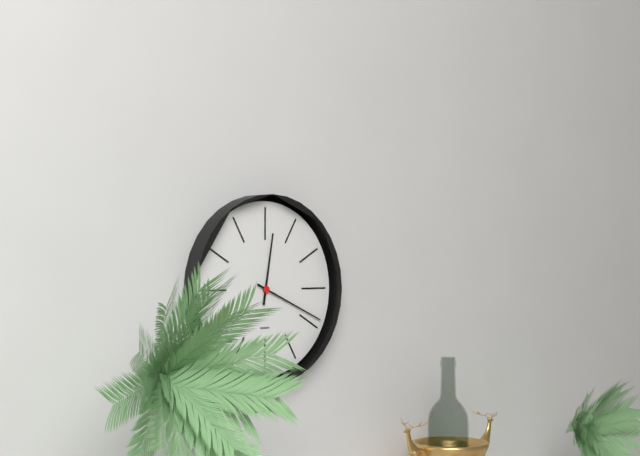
12:19
